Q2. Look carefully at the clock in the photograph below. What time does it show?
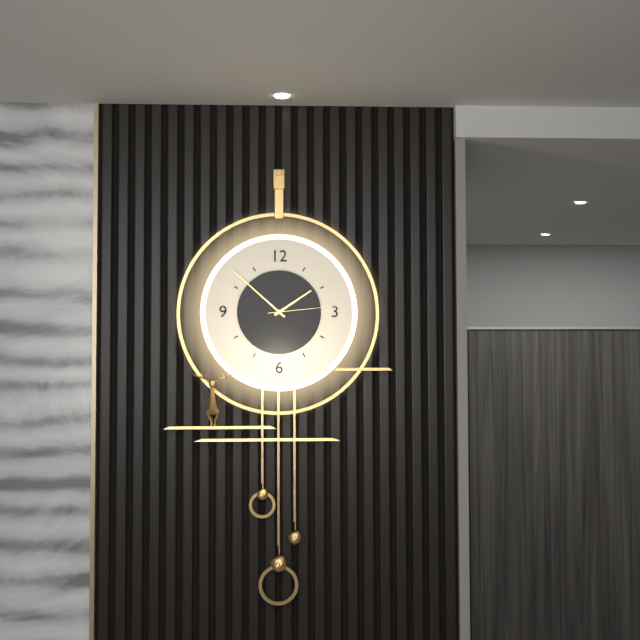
1:52:14
